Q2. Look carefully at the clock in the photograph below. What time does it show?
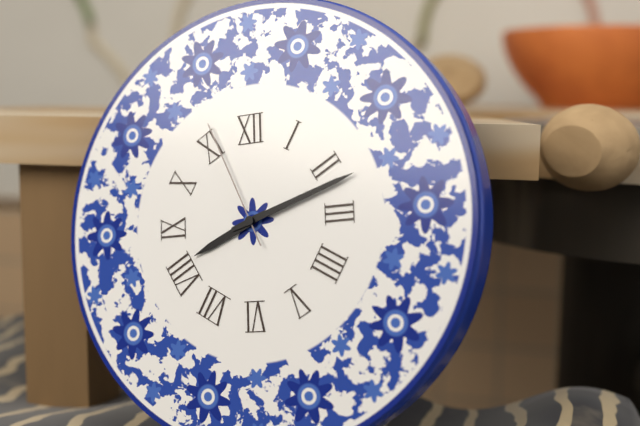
8:12:56
